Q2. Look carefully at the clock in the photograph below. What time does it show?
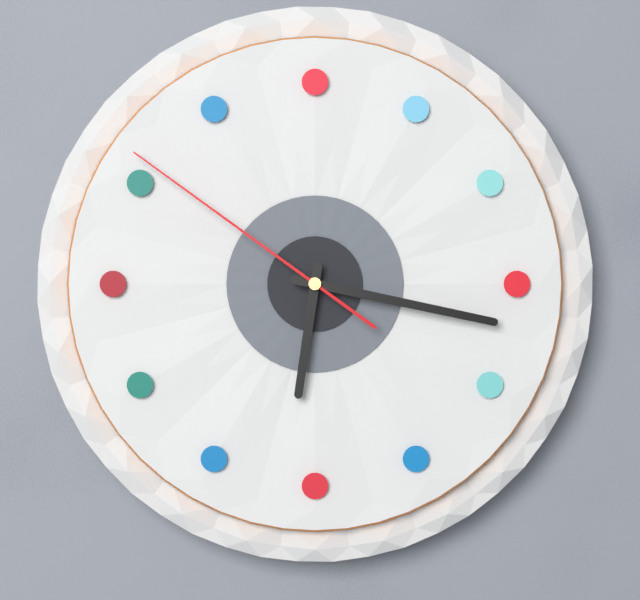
6:17:51
